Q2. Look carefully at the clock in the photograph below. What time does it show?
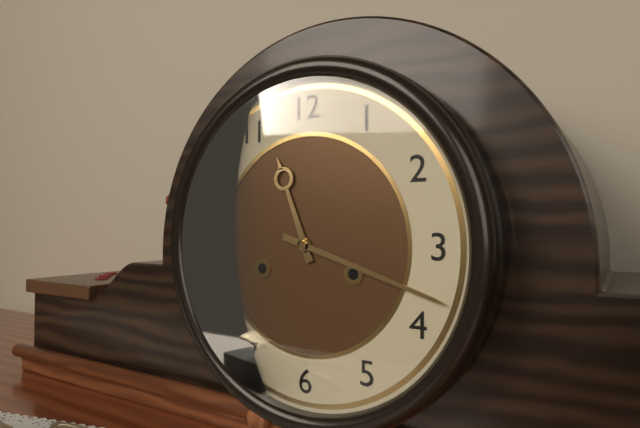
11:18
